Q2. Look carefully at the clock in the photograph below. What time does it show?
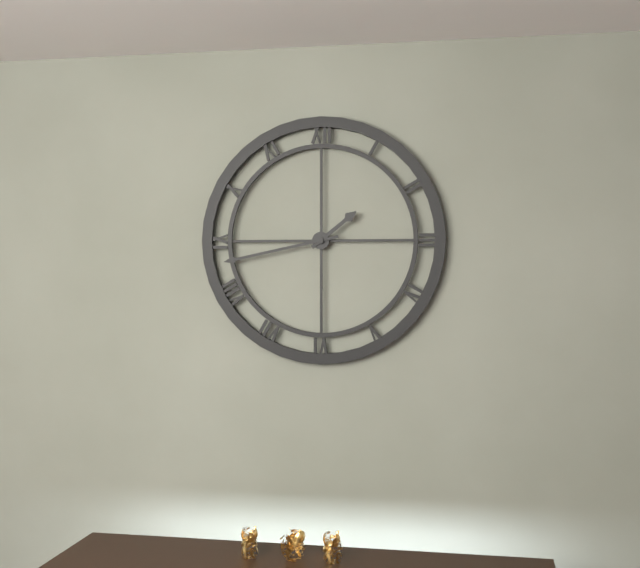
1:43
